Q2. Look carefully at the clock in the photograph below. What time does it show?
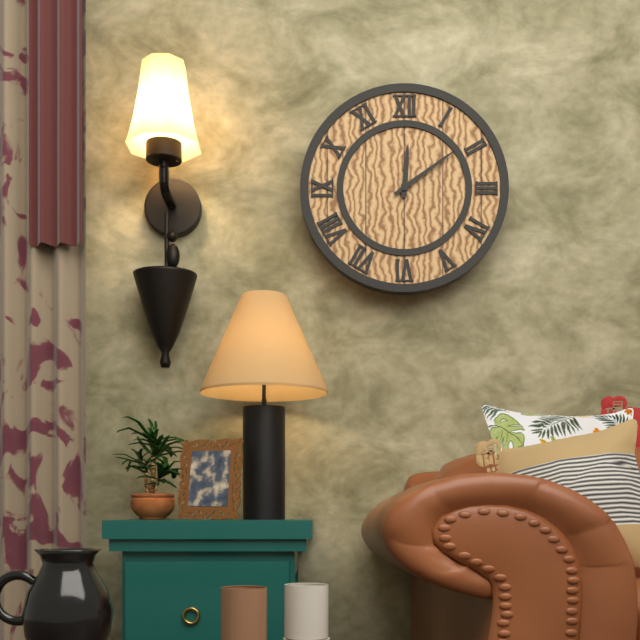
12:09
